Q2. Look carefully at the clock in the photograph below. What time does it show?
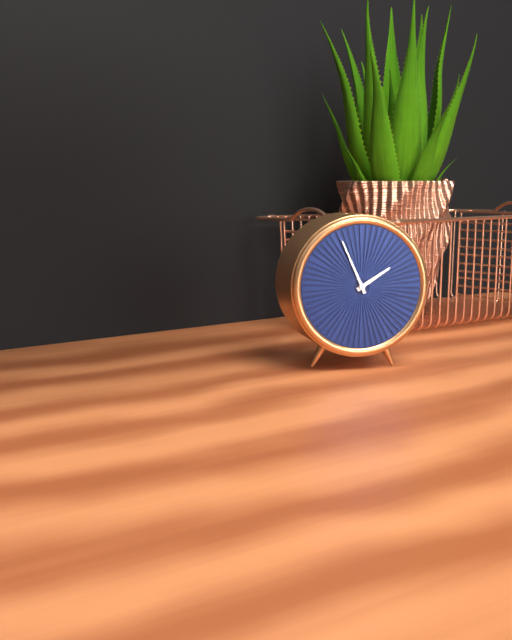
1:56
